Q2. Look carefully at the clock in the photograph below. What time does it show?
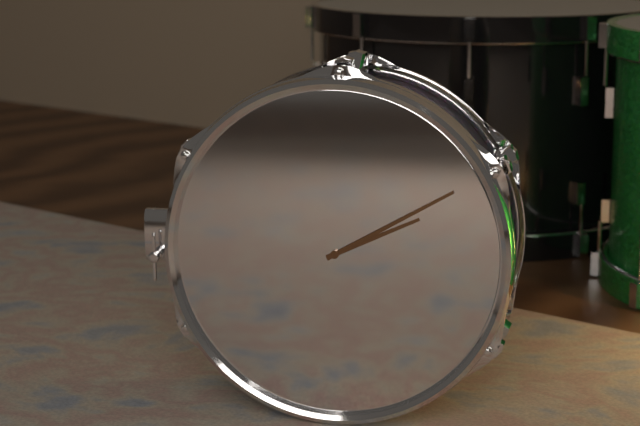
2:10
